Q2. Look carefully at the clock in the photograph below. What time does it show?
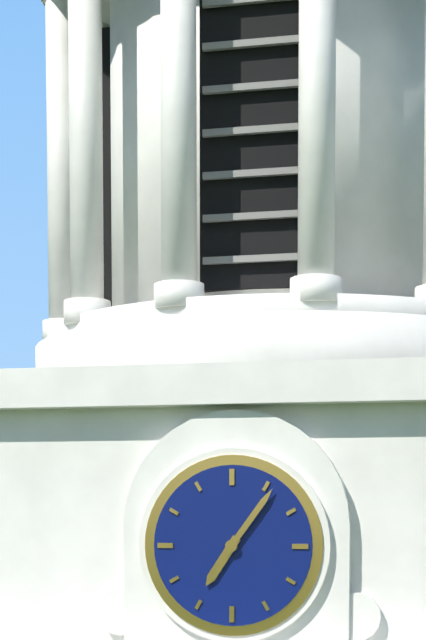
7:06
